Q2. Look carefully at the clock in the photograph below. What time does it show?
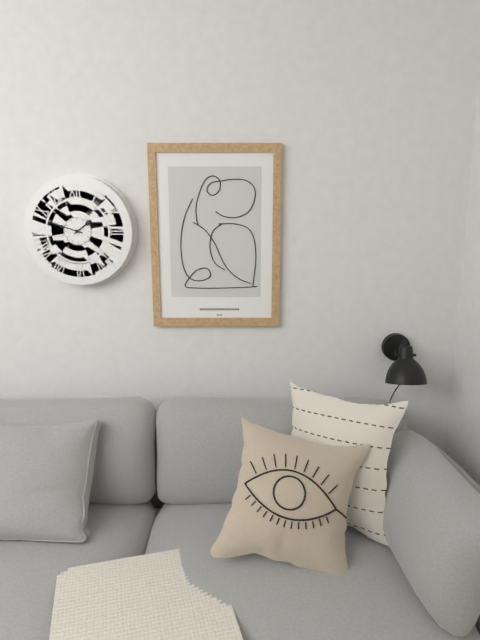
1:48
